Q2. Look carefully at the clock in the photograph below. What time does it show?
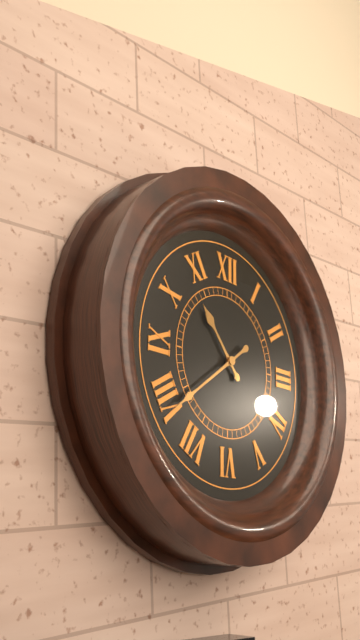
10:39
